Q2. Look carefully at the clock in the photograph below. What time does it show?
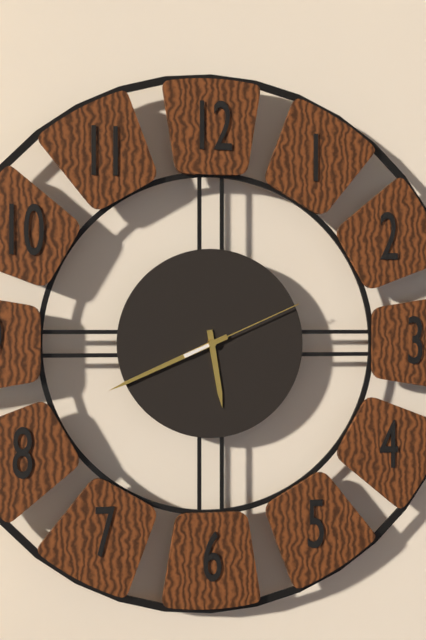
5:41:11
